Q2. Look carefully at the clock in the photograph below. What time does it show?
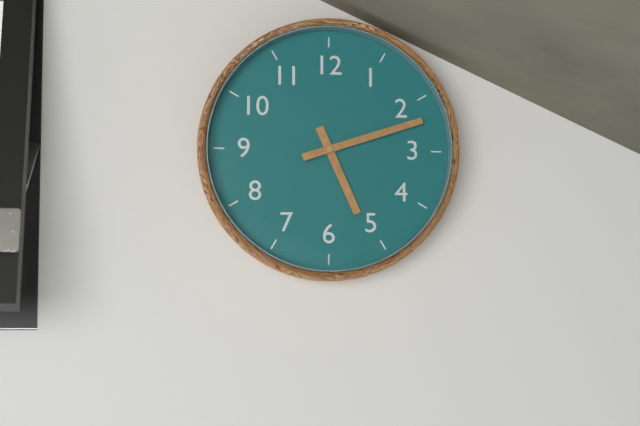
5:12
